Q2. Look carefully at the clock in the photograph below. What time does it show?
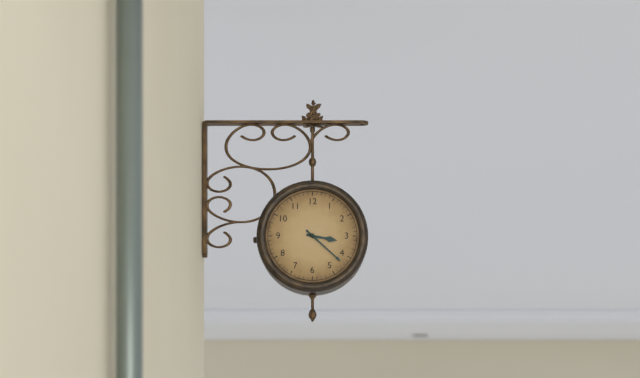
3:22
